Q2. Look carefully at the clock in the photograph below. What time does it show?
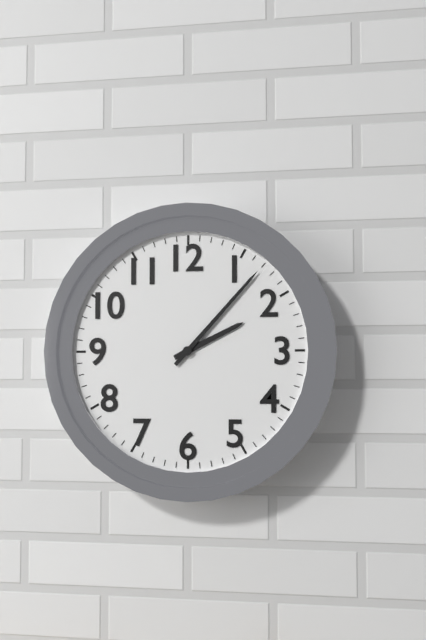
2:07
